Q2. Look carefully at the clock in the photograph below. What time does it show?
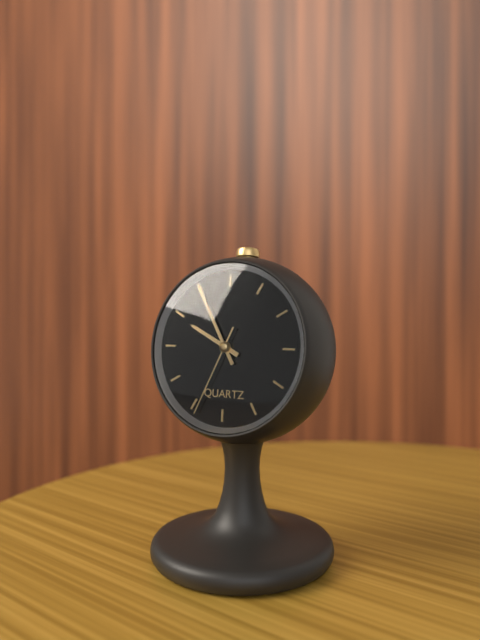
9:55:34
